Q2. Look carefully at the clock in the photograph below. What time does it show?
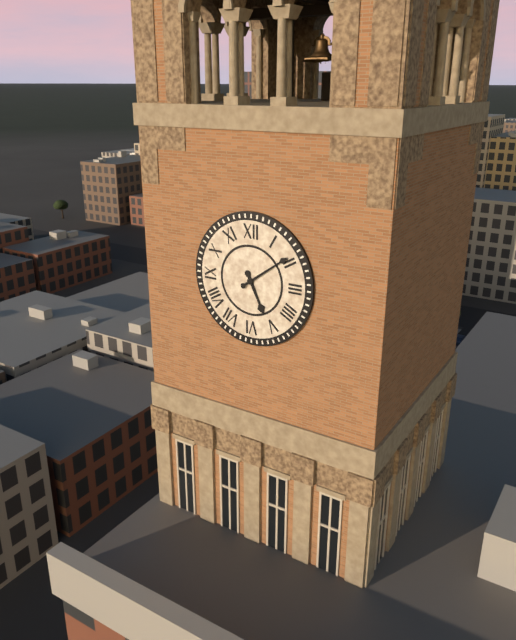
5:09
